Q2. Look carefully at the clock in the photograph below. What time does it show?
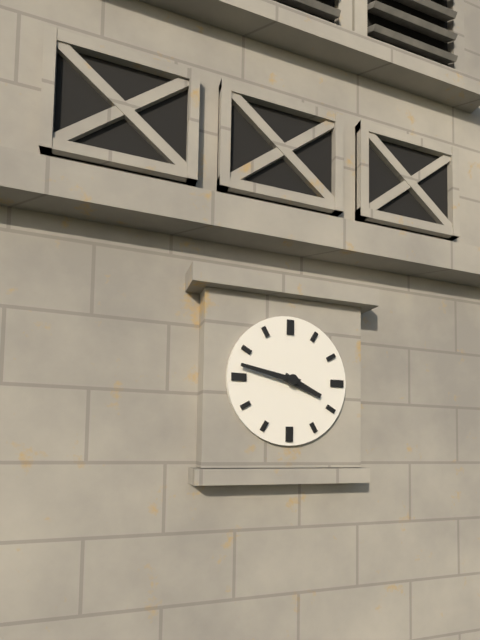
3:47
